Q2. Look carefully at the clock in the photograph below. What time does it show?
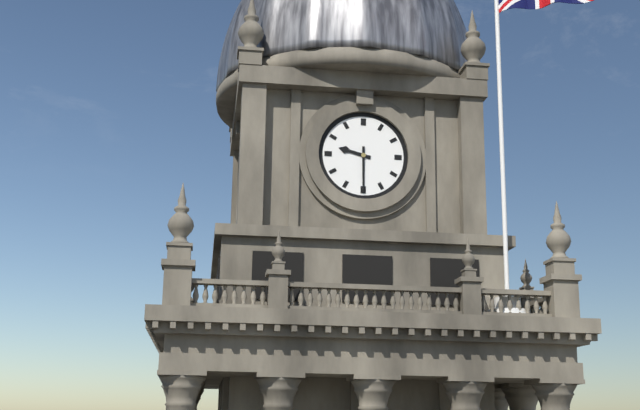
9:30
